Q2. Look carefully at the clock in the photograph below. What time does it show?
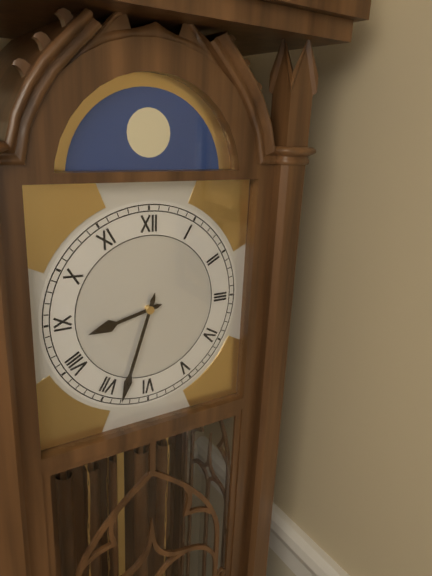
8:33
